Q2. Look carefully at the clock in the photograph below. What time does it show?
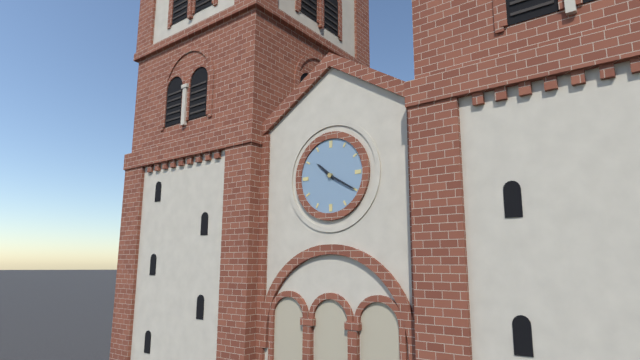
10:20
